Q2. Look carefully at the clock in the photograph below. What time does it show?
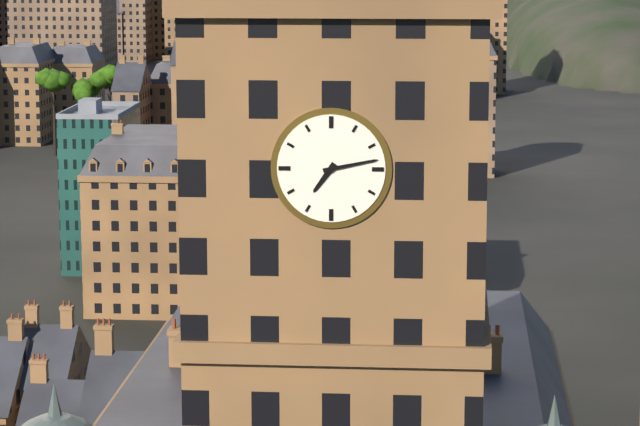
7:13
